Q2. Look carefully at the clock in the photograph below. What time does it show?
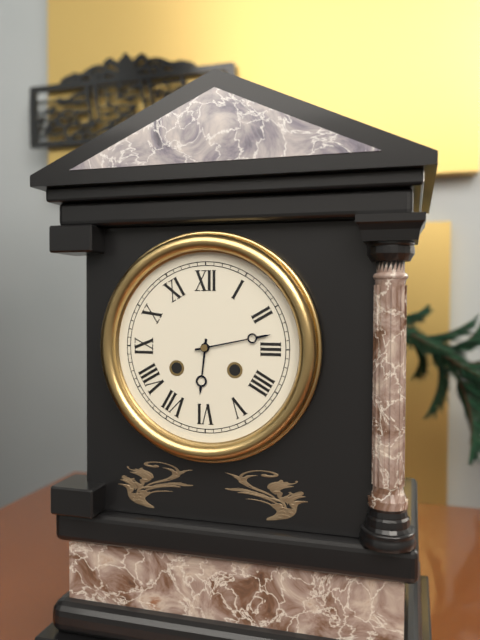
6:13
